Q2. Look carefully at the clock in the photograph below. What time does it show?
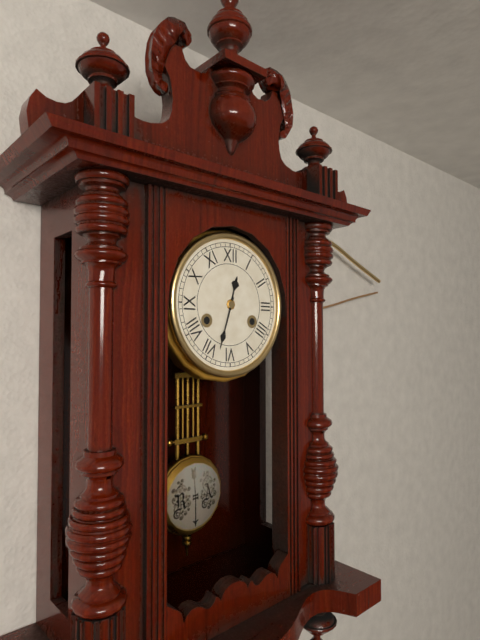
12:33
